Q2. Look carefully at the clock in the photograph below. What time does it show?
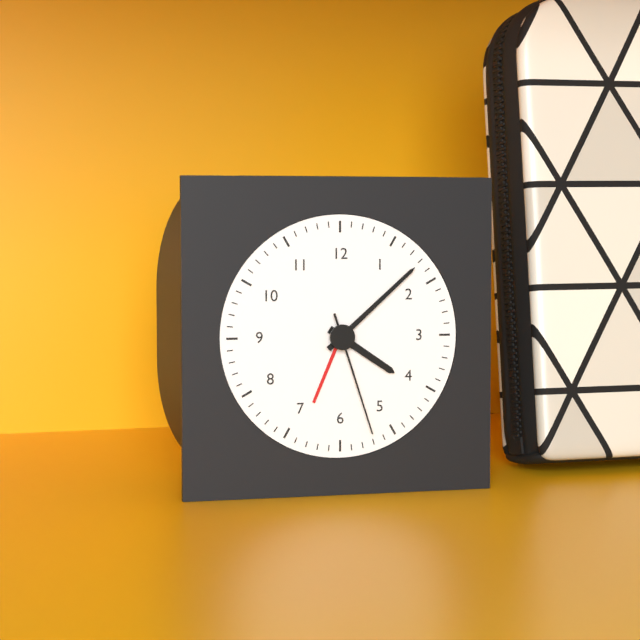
4:08:27
